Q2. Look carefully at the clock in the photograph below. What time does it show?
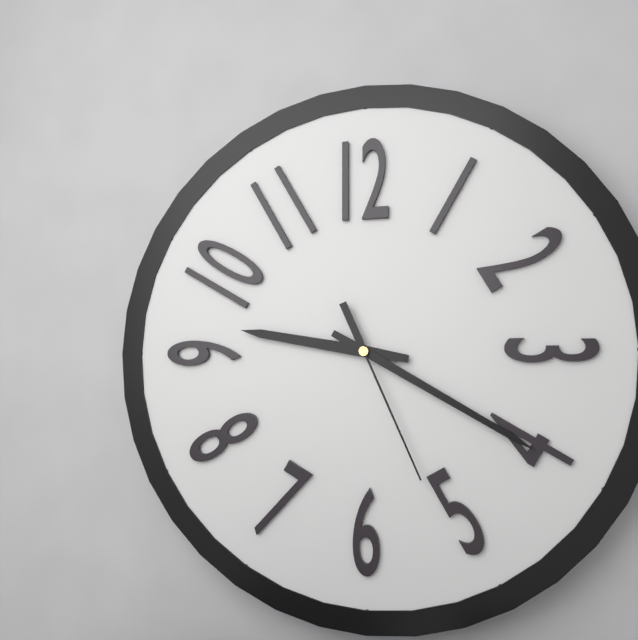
9:20:26
